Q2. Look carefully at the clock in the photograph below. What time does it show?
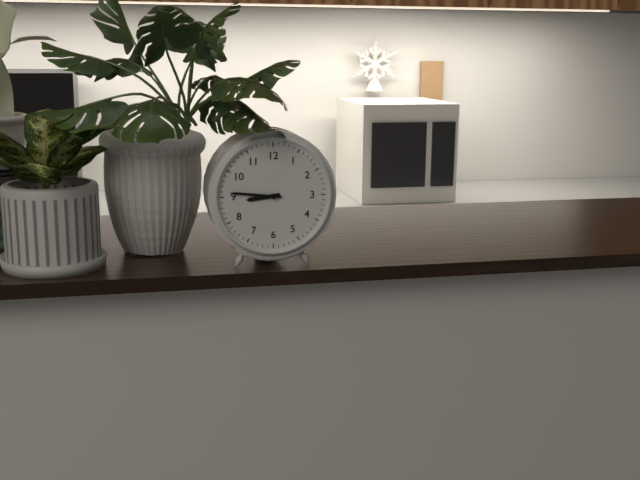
8:46
